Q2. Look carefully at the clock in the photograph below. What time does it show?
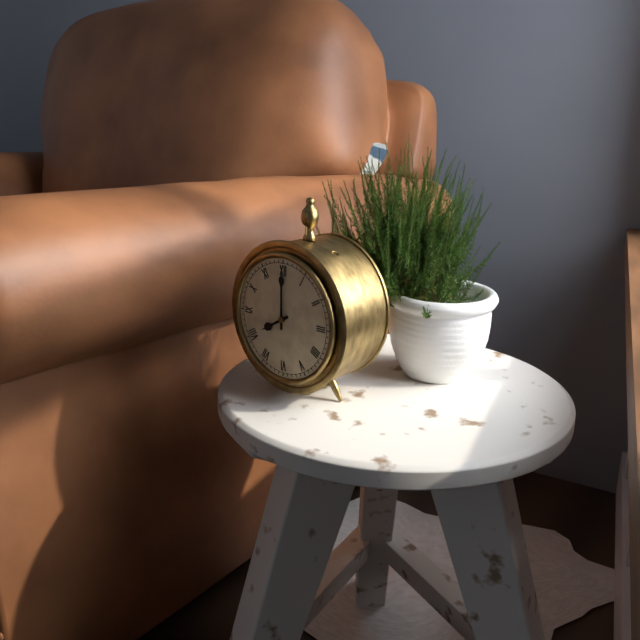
8:00
